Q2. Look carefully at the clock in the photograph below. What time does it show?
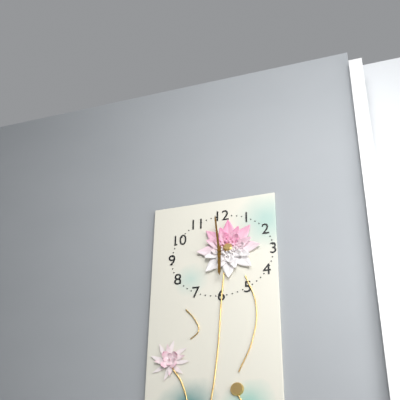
5:59
